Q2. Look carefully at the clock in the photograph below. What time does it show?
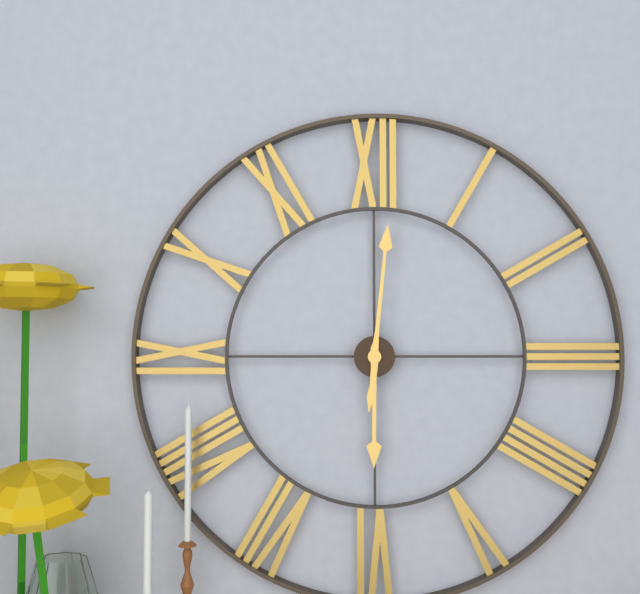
6:01
